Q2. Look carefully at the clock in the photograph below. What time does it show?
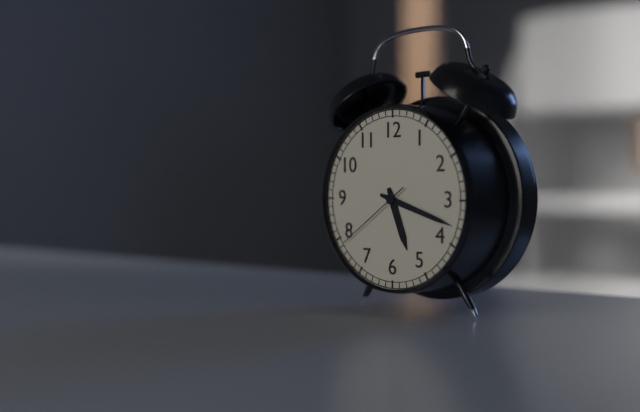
5:18:39
